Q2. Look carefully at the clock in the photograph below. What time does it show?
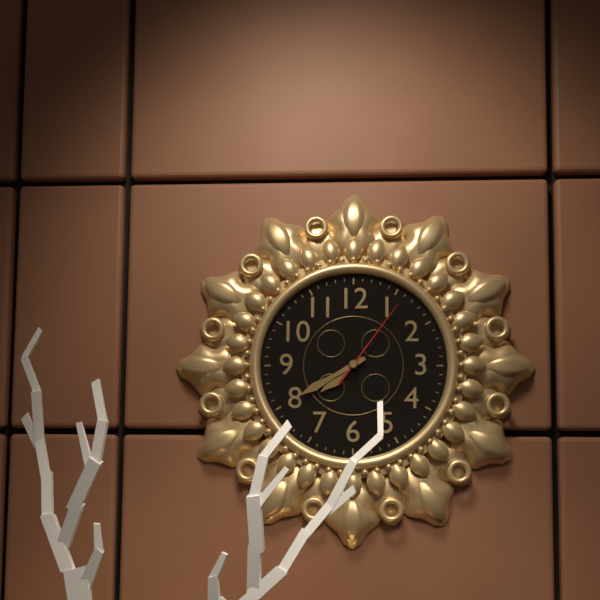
7:40:06
